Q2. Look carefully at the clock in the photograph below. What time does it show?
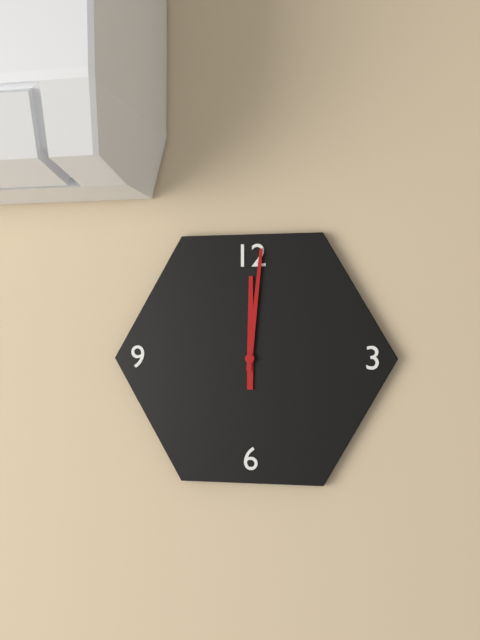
12:01
